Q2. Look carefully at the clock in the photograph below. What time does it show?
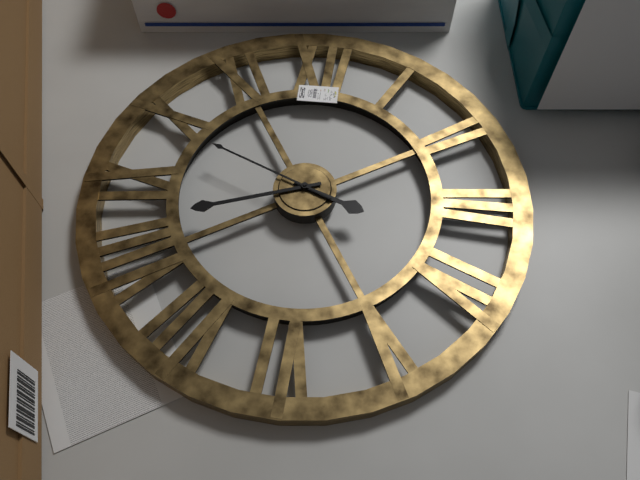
3:42:49
